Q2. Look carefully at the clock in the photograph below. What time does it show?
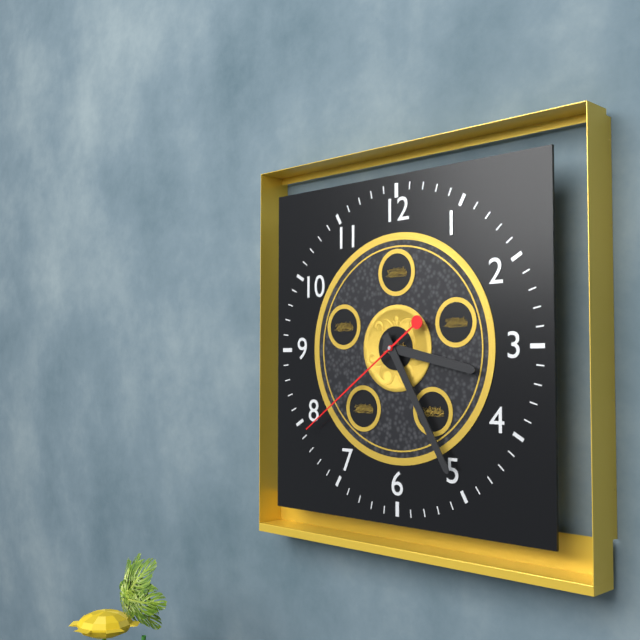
3:25:39
